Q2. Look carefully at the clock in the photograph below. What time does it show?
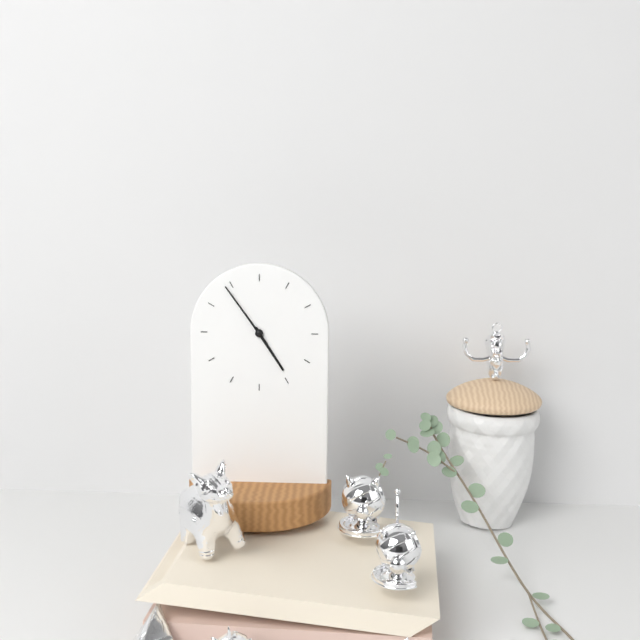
4:54
